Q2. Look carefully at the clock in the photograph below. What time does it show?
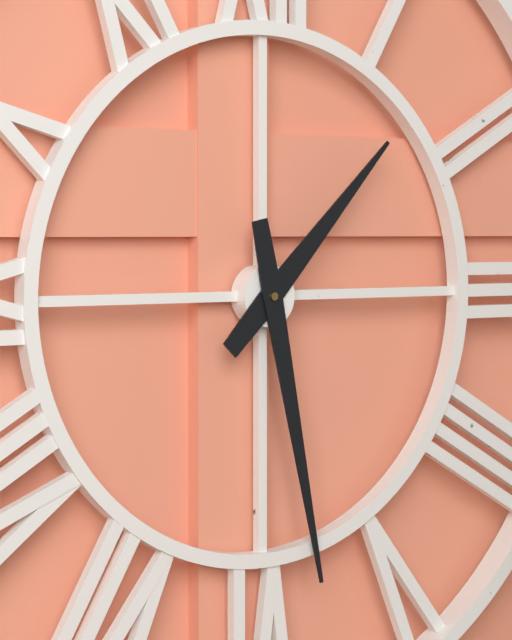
1:28
